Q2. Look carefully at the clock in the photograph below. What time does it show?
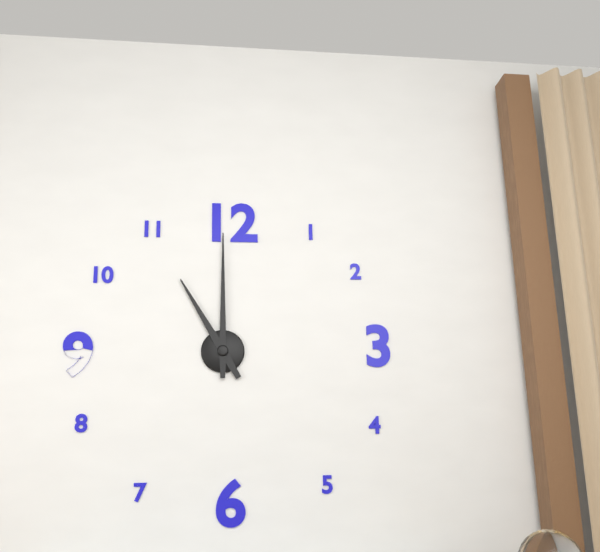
11:00
